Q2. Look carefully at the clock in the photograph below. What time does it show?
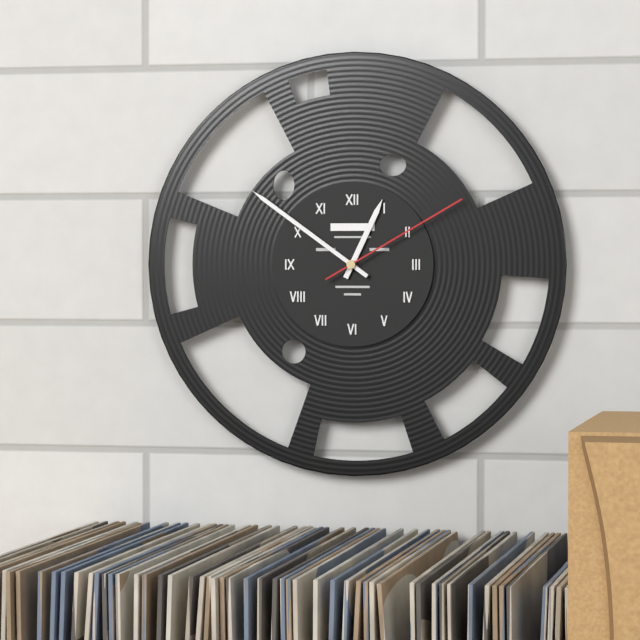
12:51:10
